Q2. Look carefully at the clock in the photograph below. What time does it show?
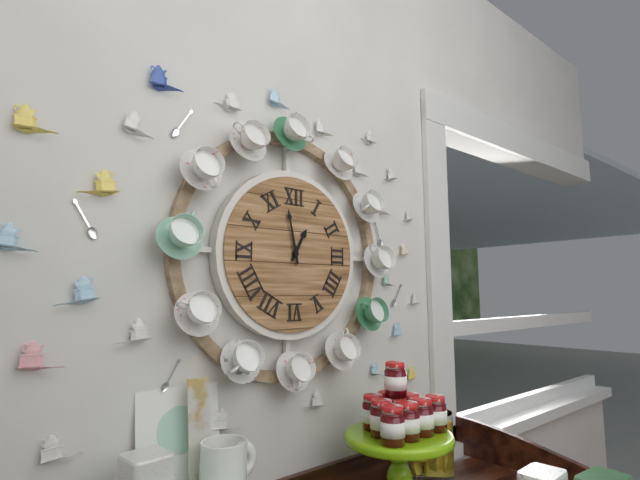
12:58
